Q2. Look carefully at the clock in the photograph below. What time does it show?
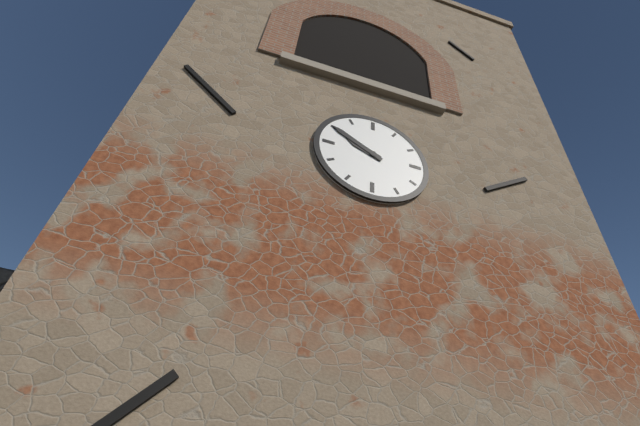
9:50
